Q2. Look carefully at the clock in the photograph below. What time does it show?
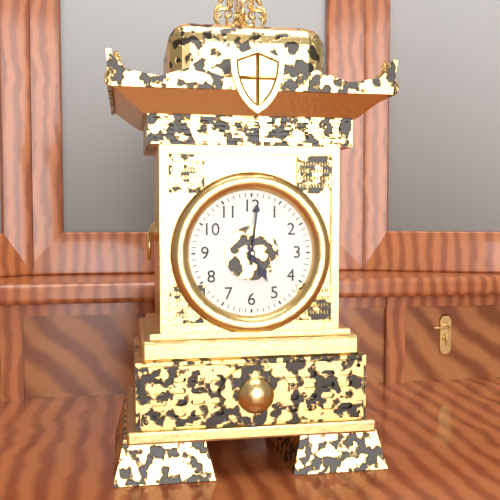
5:01
